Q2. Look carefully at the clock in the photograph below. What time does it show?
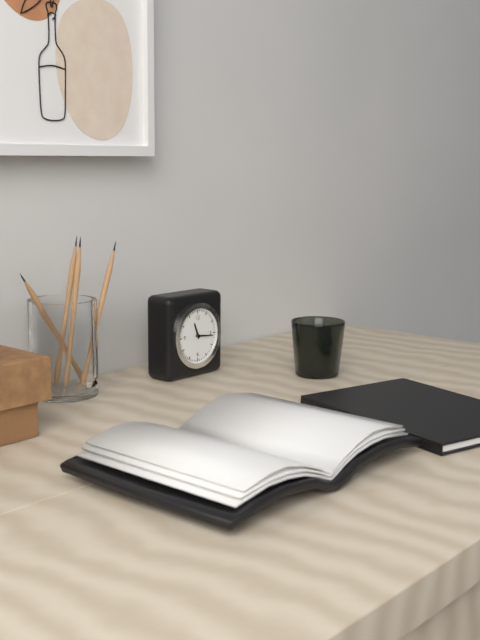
11:16
